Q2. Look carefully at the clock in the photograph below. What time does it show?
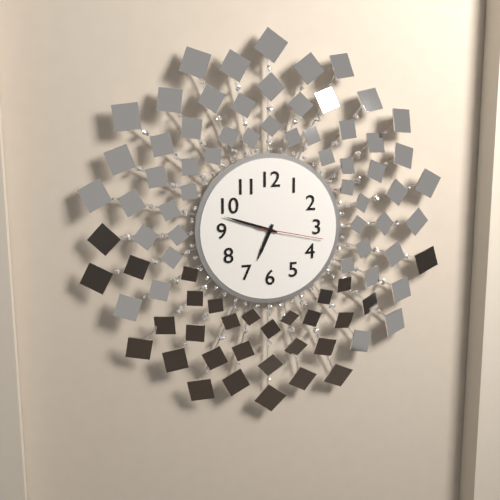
6:48:17
